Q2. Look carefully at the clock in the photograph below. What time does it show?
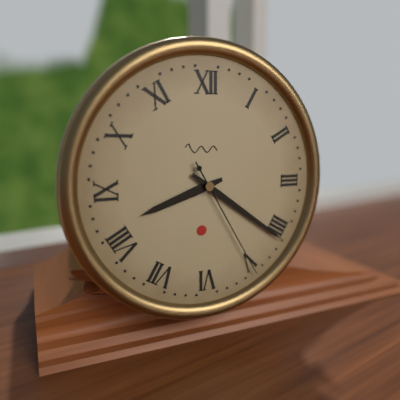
8:21:25
